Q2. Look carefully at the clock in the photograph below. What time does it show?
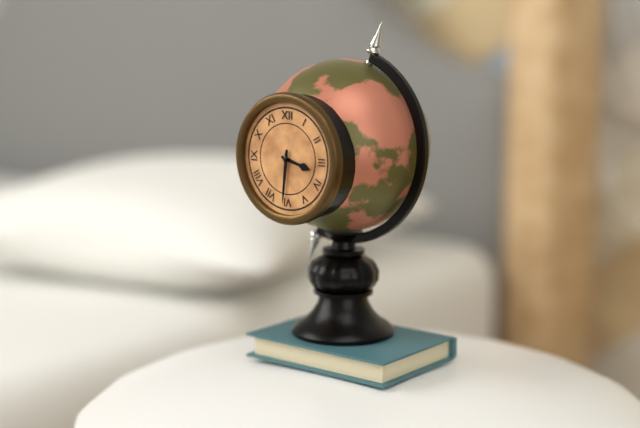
3:31
